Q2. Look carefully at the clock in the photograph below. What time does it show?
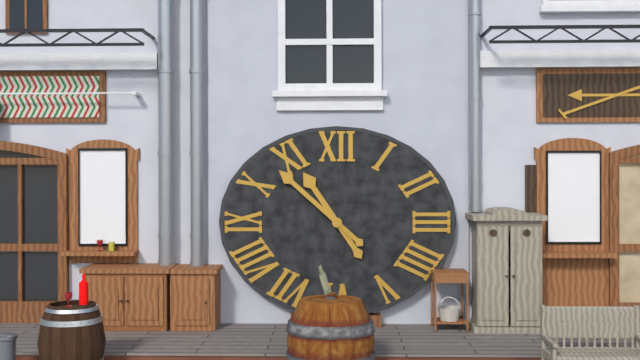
10:52
